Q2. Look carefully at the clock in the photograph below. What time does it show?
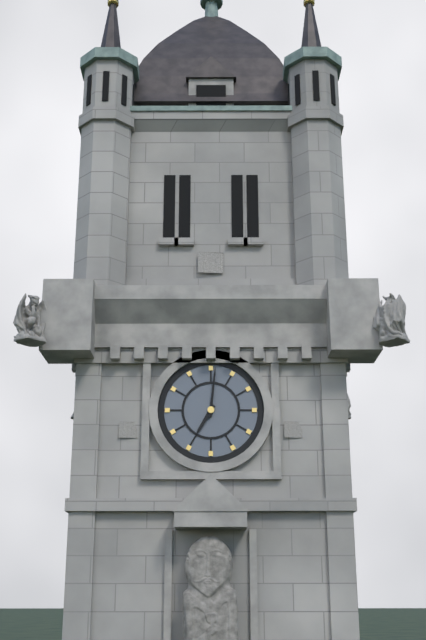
7:01
